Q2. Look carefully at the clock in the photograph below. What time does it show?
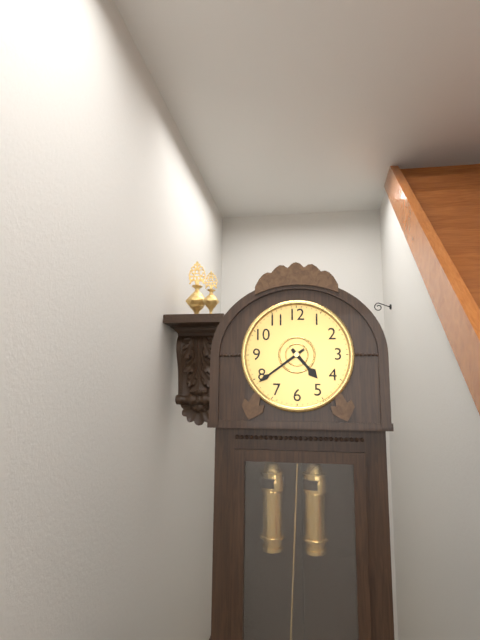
4:39
